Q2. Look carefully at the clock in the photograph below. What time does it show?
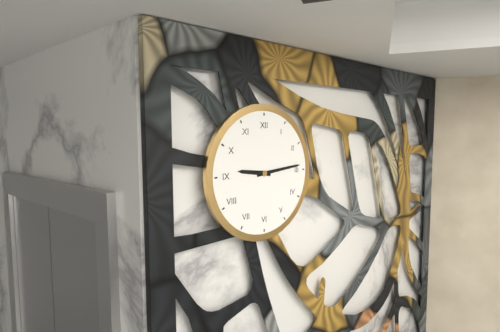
9:14
